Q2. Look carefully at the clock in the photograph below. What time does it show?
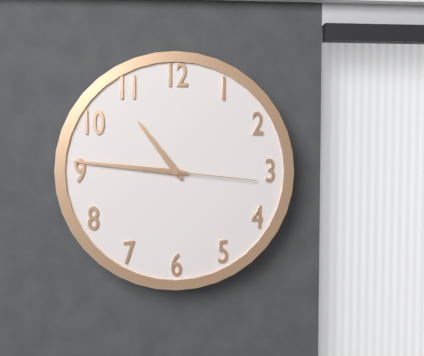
10:46:16
